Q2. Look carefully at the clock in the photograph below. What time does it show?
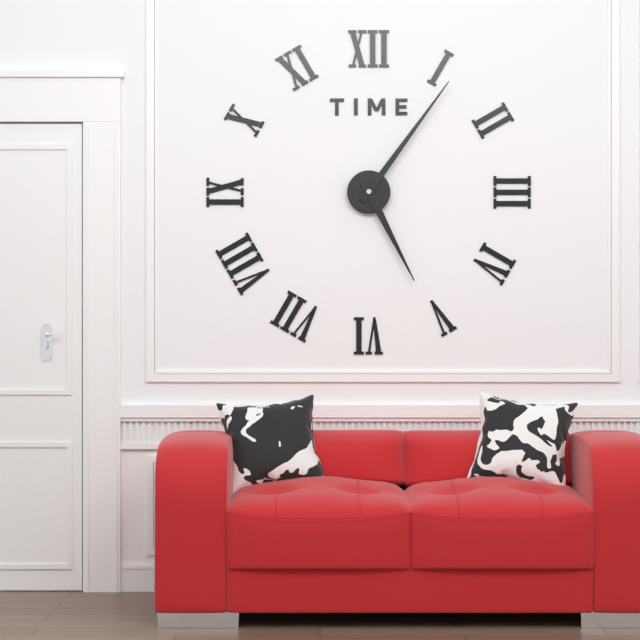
5:06
